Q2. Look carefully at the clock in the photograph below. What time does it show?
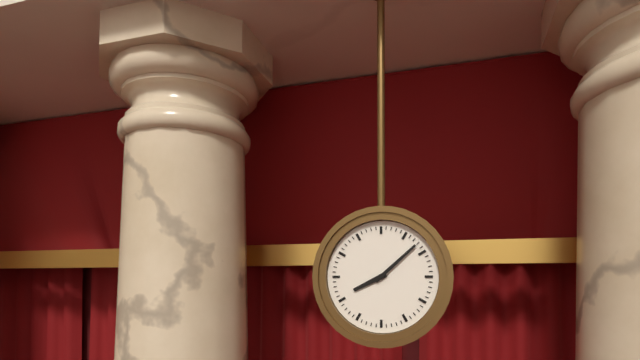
8:08
